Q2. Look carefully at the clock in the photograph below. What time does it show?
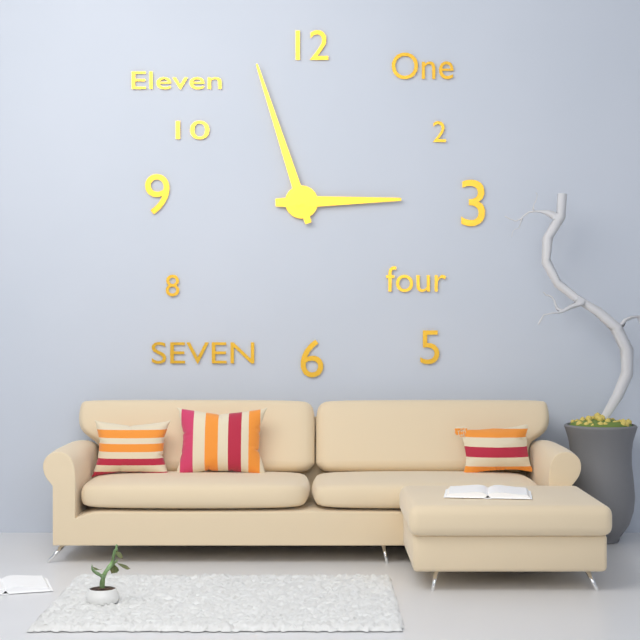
2:57
